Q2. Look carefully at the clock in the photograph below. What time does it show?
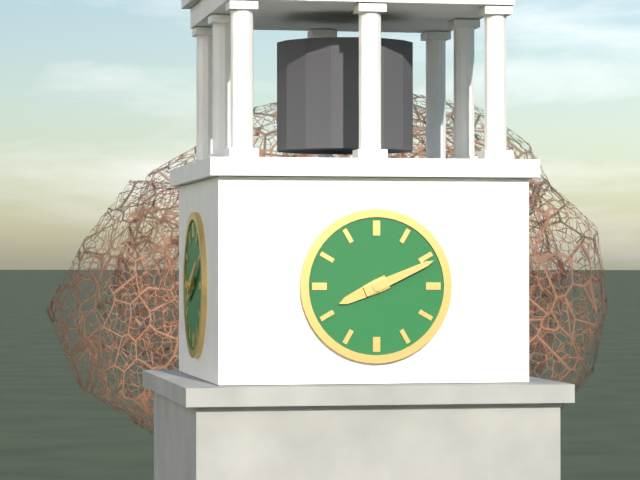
8:11
